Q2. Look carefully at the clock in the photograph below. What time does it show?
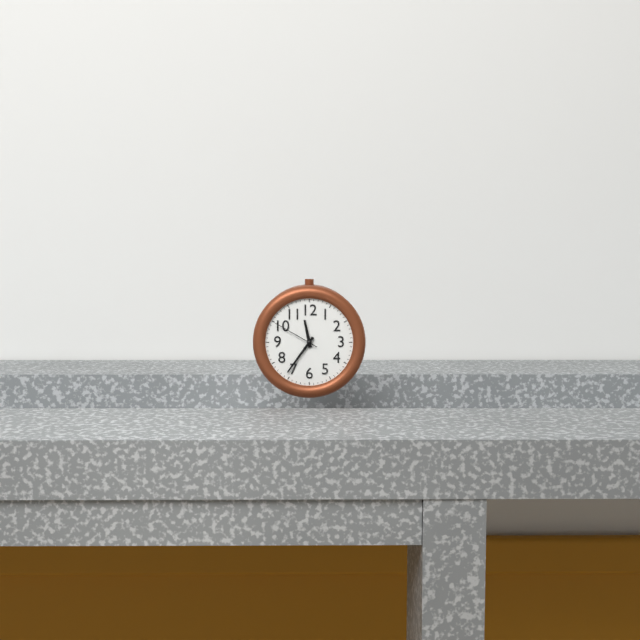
11:36
